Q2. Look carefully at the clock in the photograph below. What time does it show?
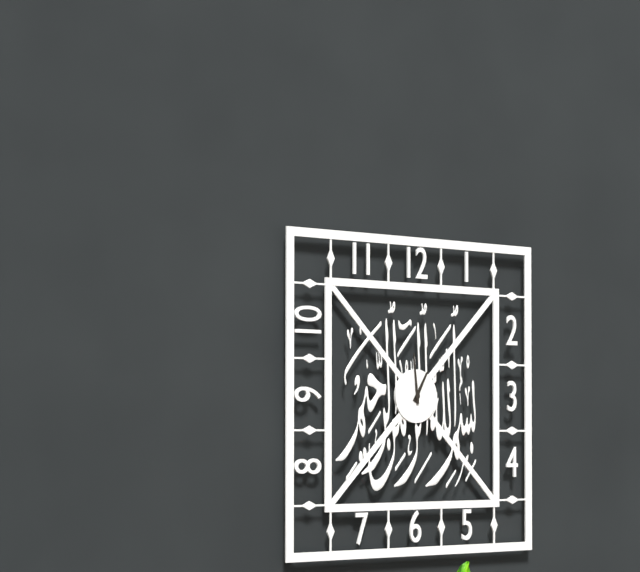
12:59
